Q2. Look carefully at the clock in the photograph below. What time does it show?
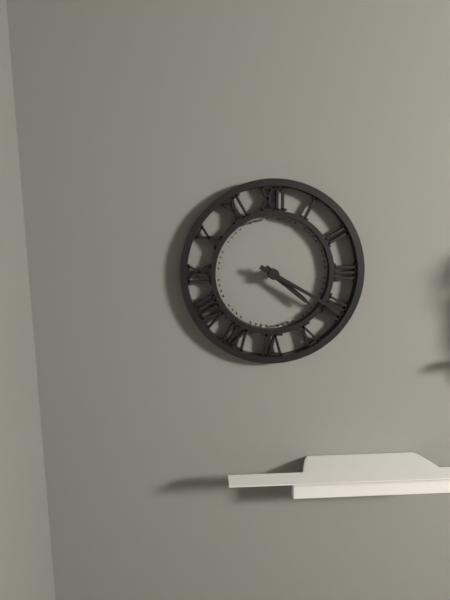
4:20
